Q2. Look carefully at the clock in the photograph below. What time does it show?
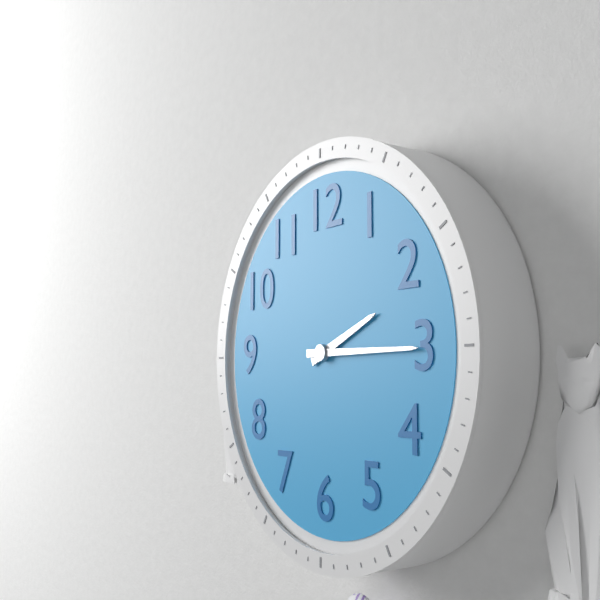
2:15
